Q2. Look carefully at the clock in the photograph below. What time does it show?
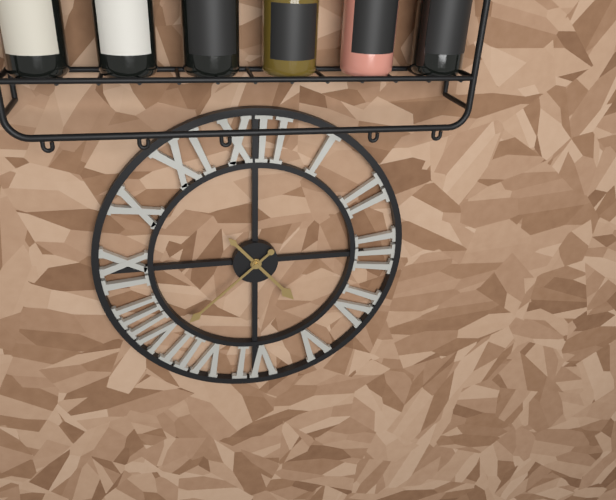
4:38
